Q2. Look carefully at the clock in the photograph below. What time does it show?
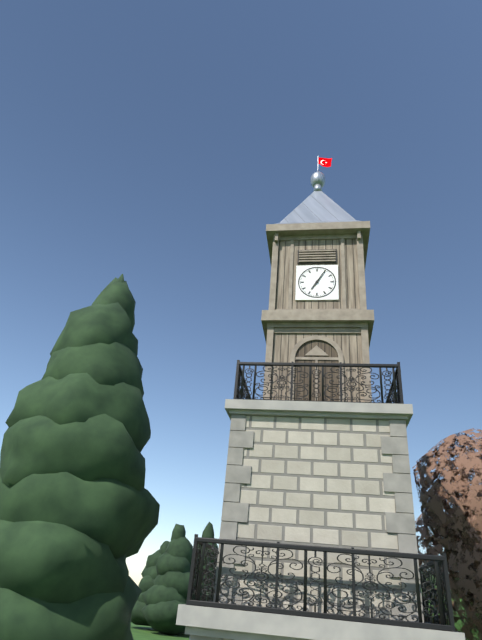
7:05
